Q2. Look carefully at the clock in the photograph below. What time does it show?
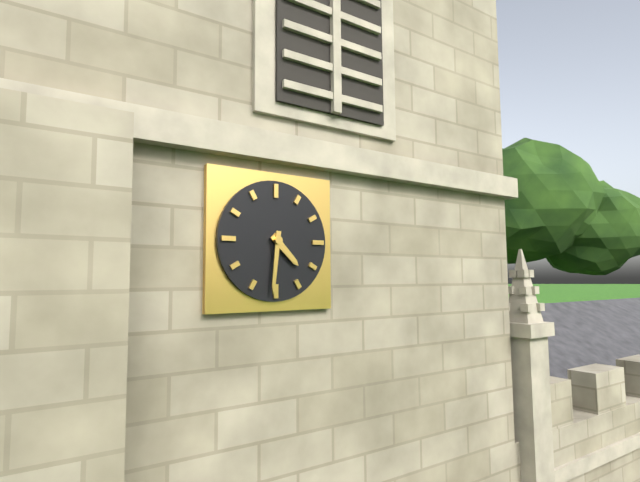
4:31
